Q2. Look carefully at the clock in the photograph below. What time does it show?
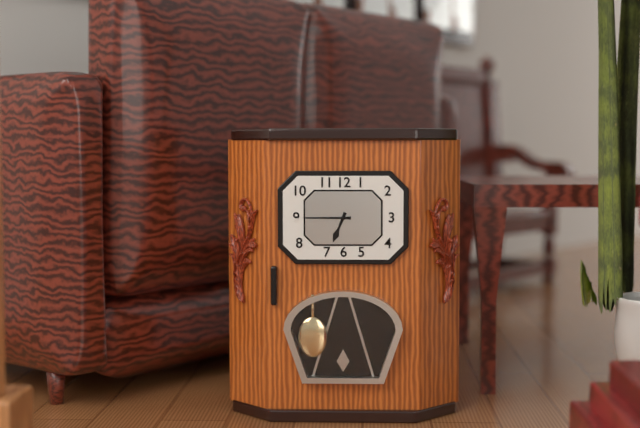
6:45
